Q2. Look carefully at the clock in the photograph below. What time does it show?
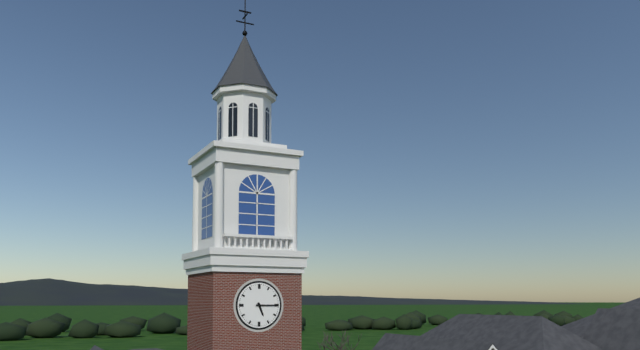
5:15
